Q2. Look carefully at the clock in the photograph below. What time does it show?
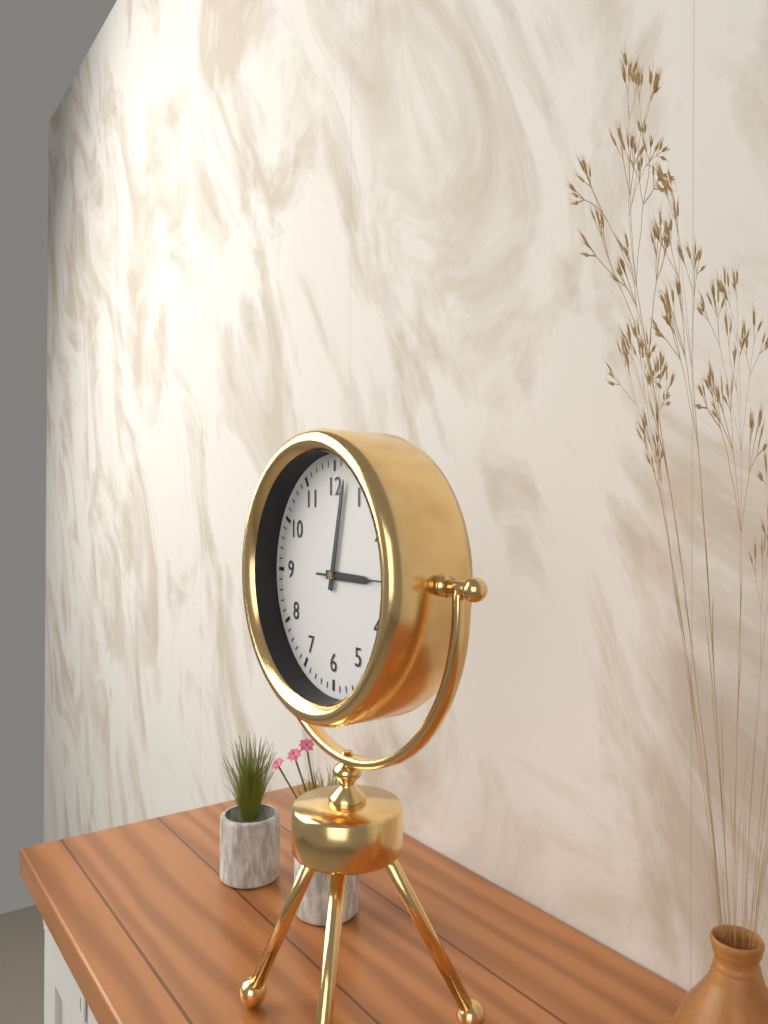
3:02:15
